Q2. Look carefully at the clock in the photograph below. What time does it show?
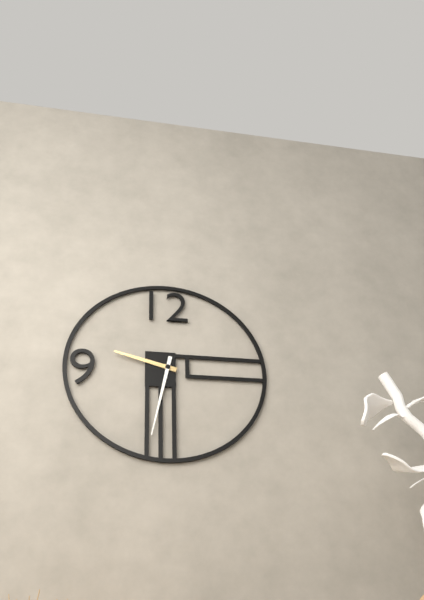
9:32
